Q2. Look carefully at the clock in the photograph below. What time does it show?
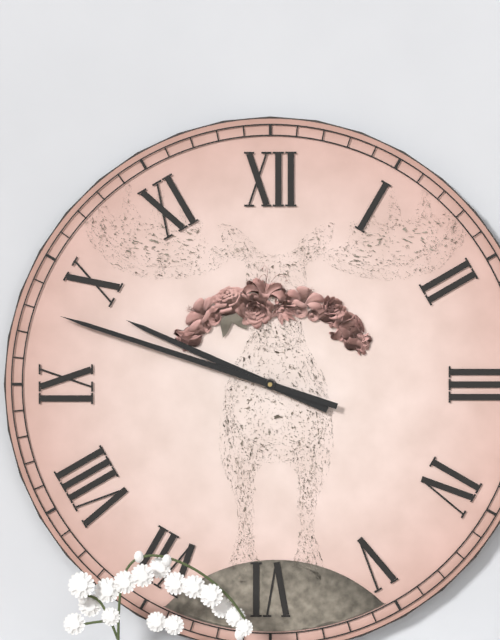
9:48
